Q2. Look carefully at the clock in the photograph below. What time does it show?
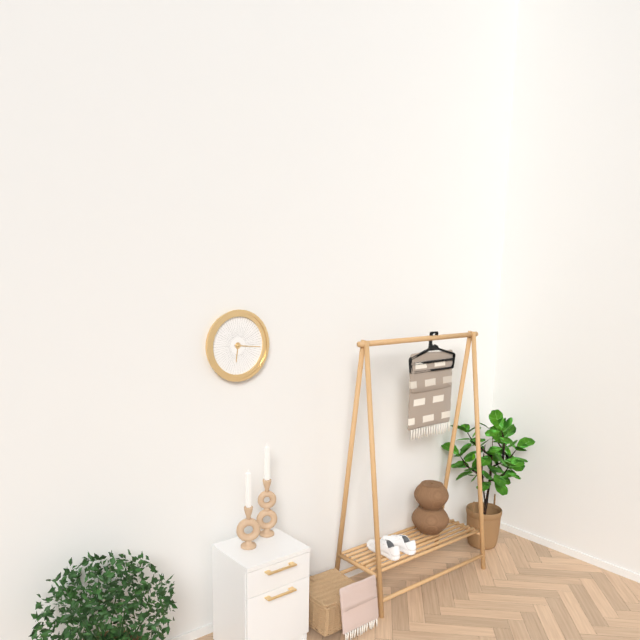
6:16
